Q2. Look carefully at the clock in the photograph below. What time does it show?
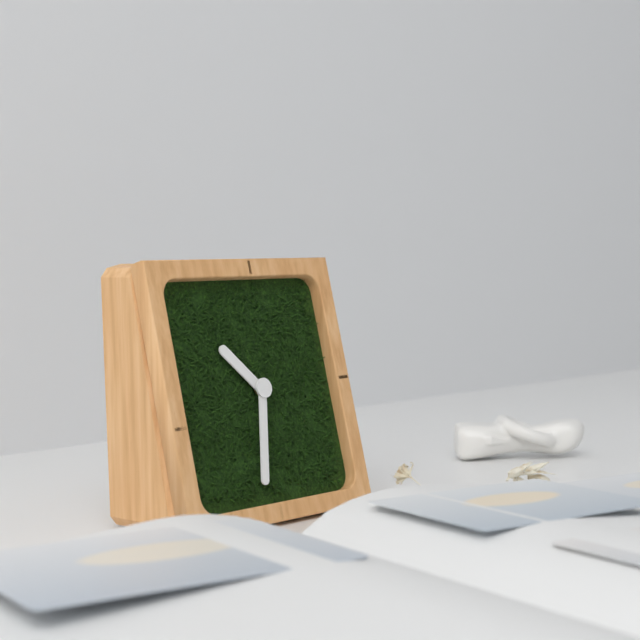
10:32
